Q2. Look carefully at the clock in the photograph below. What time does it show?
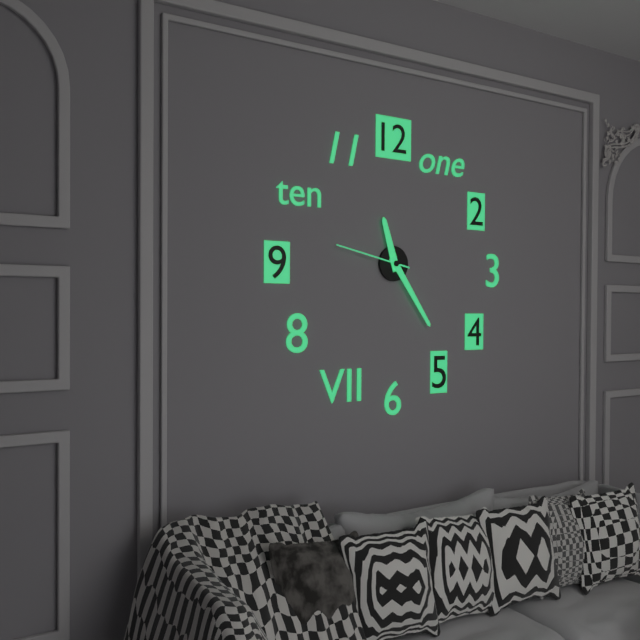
11:24:47
